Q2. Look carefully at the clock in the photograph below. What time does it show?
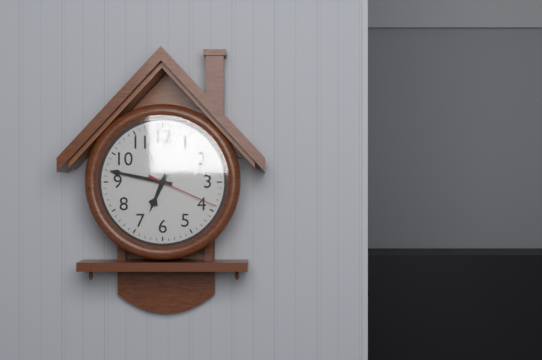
6:47:19
